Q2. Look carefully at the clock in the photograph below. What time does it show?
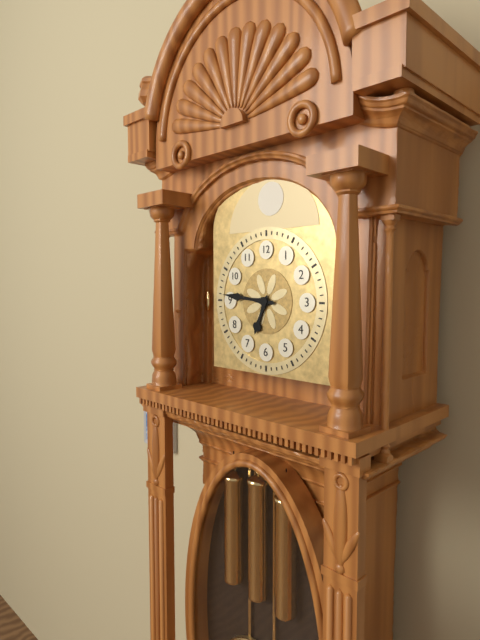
6:46
